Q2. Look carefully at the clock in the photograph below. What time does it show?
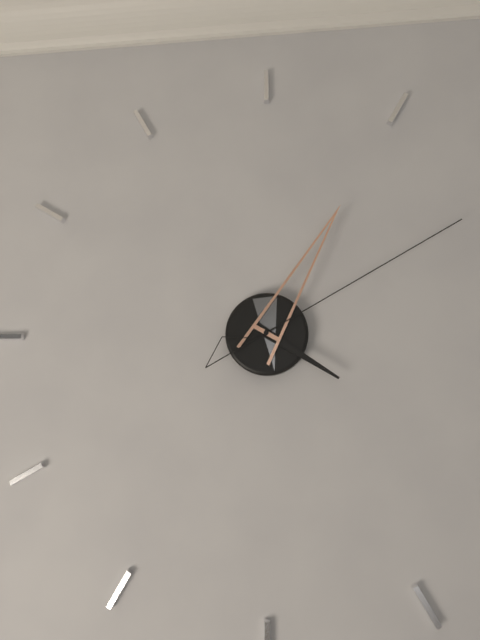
4:05:10
